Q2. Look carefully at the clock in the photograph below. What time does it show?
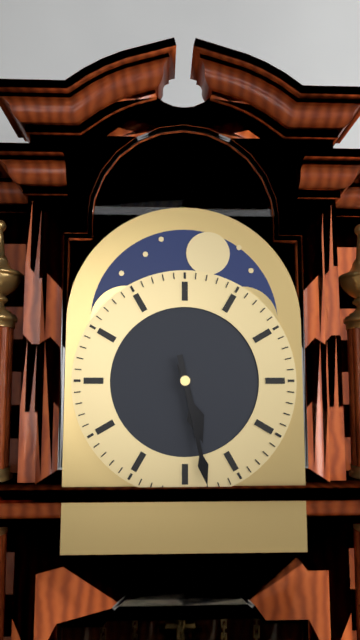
5:28
